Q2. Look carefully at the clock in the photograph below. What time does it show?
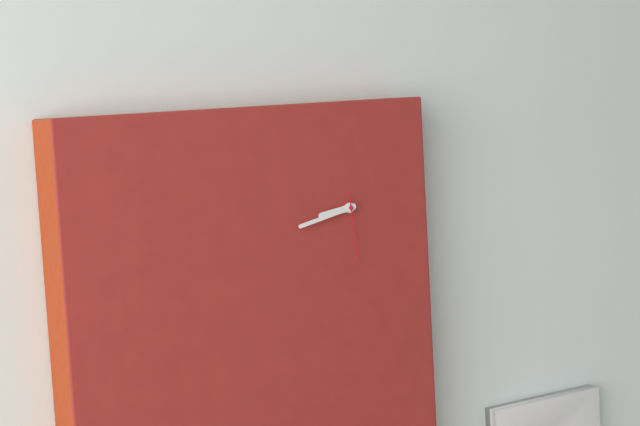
8:43:29
